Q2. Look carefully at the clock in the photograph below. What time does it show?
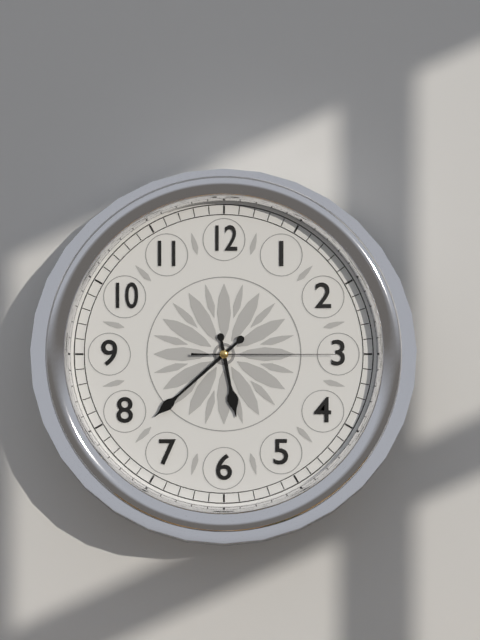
5:38:15
